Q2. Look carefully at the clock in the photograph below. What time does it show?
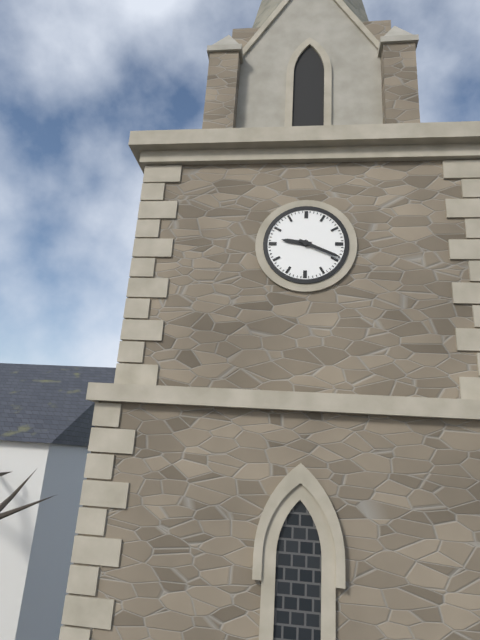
9:19
